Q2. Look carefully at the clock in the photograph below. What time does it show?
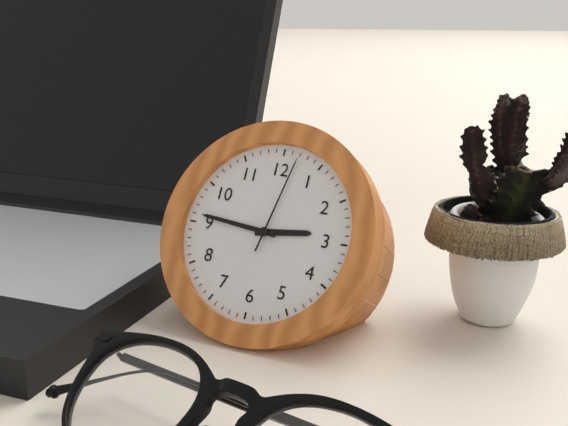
2:46:02
